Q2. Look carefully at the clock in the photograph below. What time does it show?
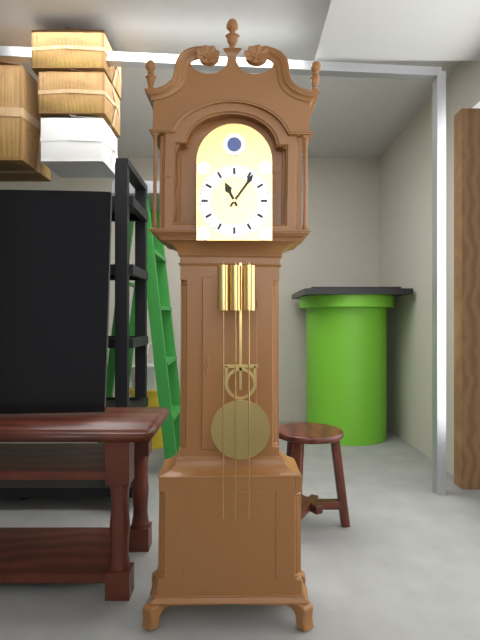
11:06
